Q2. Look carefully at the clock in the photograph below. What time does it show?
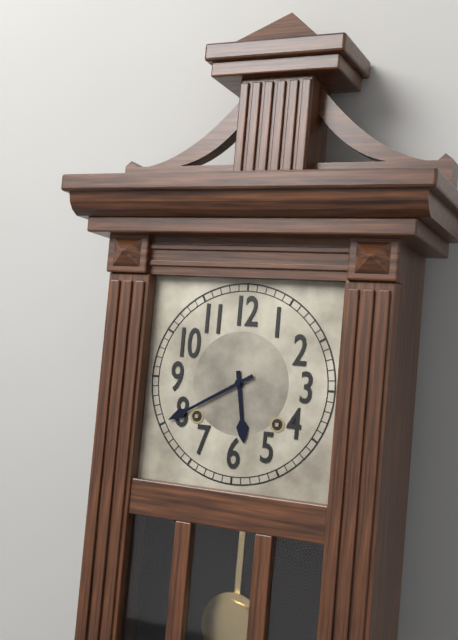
5:40
